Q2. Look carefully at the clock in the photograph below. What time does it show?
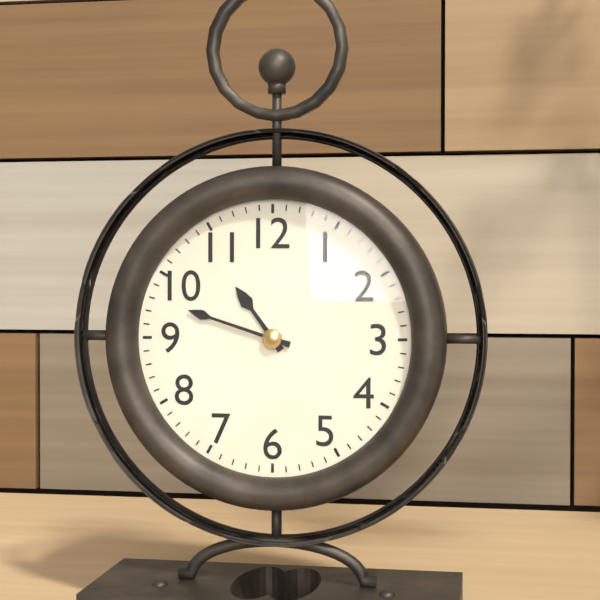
10:48
